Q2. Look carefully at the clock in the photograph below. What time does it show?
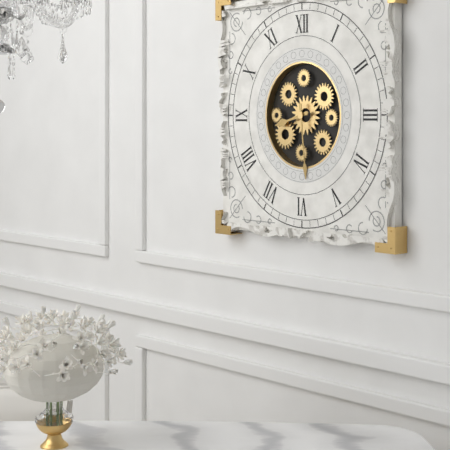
8:29
